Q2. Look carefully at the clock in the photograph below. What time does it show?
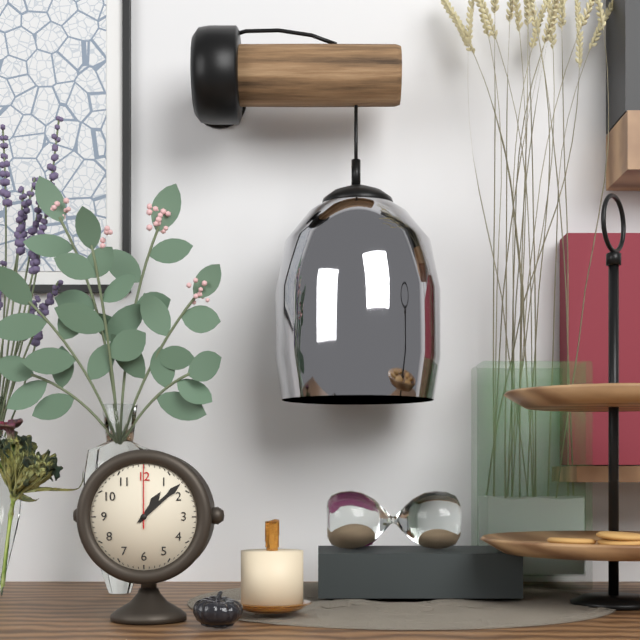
1:08:00
